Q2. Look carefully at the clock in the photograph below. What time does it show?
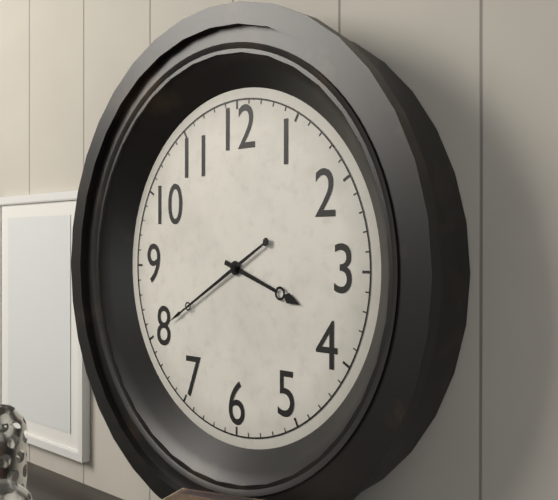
3:40
